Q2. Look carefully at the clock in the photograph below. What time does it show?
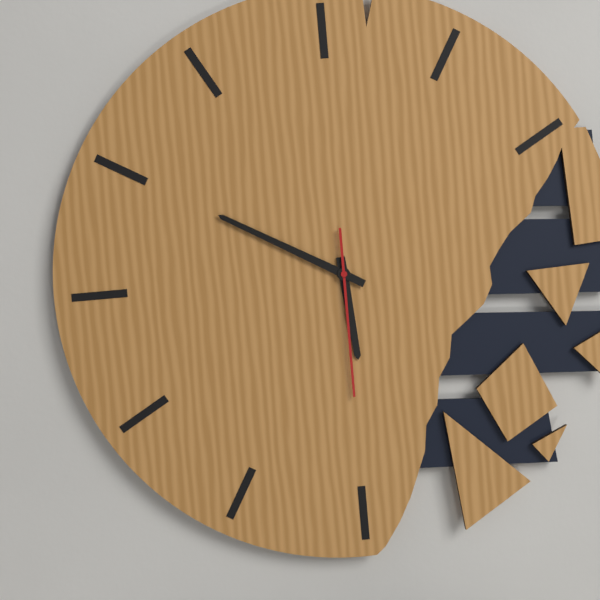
5:50:30
